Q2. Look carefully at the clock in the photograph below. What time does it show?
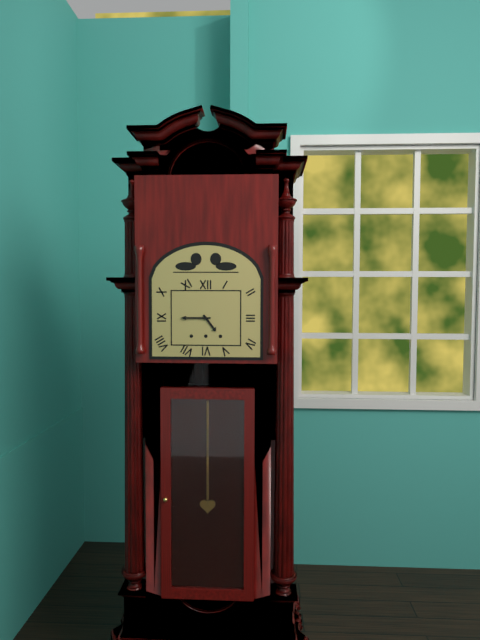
4:45
